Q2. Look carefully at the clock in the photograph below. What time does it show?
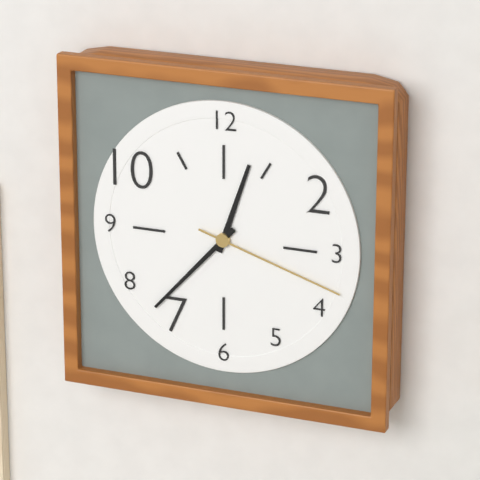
12:37:18
